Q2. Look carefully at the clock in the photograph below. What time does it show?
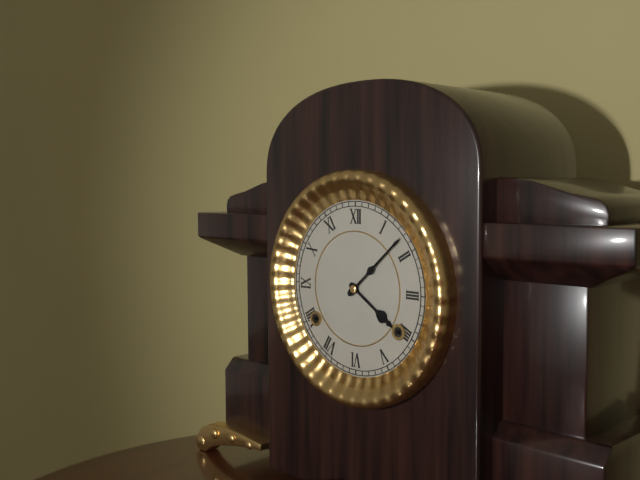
4:08
